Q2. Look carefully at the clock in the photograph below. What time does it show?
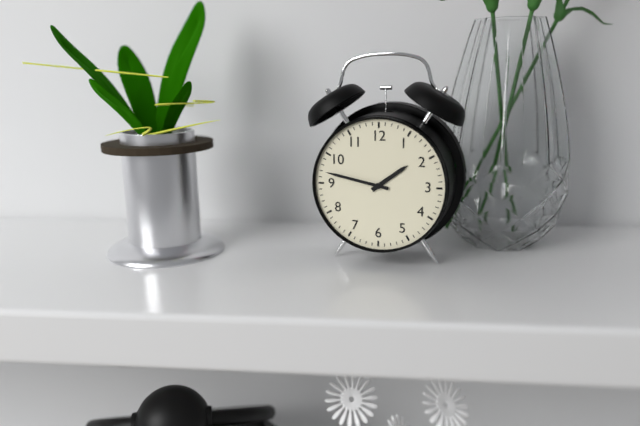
1:47
